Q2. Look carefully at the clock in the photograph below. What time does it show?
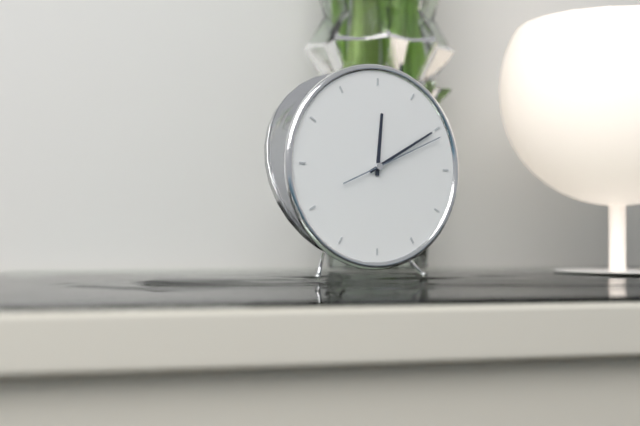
12:10:11
